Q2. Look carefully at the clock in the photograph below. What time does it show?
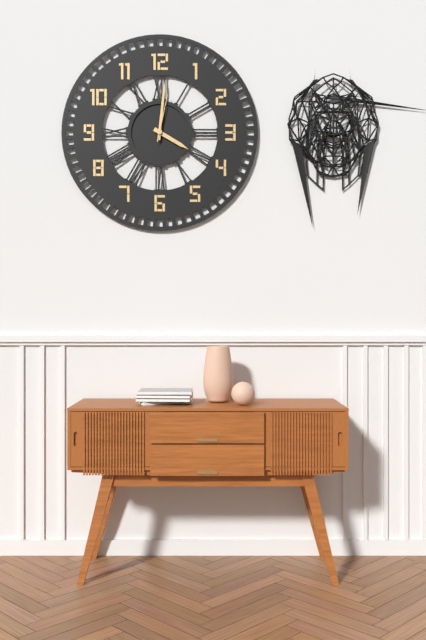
4:01
